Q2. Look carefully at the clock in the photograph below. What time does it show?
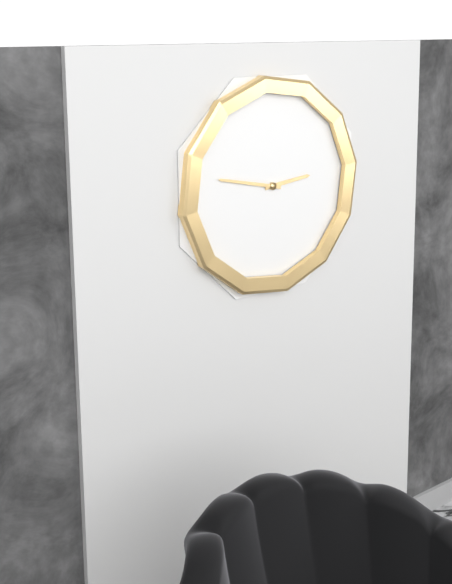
2:47
